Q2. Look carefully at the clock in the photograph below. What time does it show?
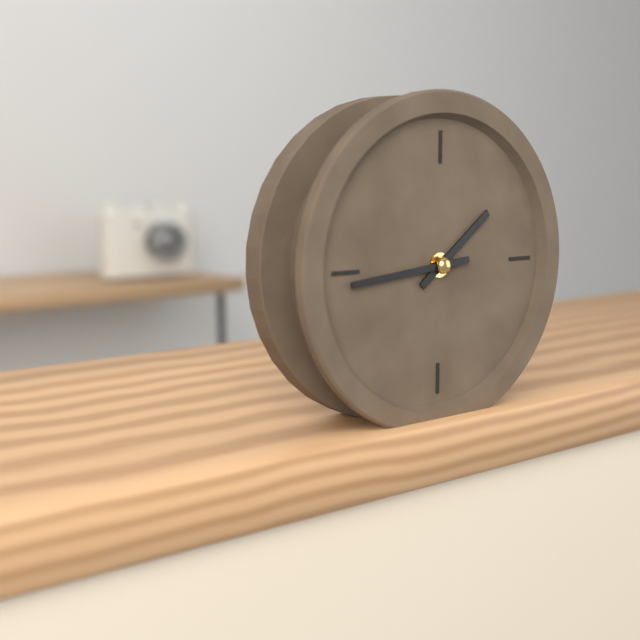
1:44
